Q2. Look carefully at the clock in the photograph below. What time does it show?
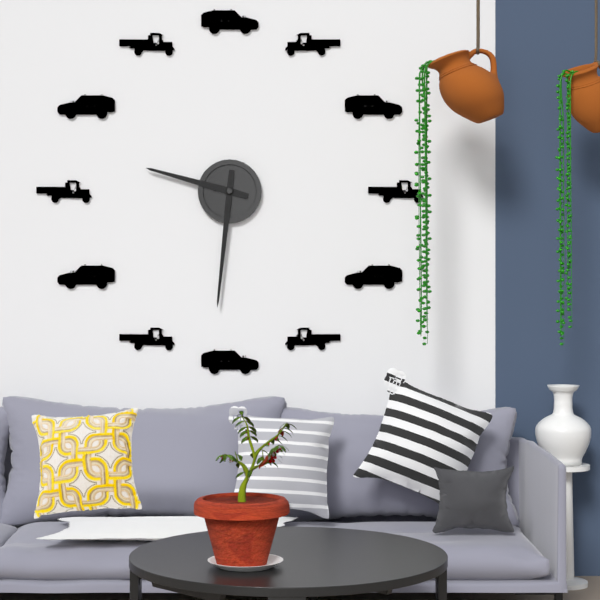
9:31
